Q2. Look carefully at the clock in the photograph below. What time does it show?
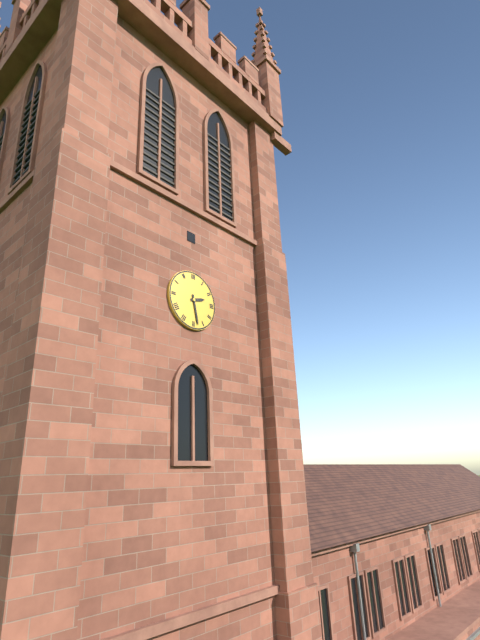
2:28
